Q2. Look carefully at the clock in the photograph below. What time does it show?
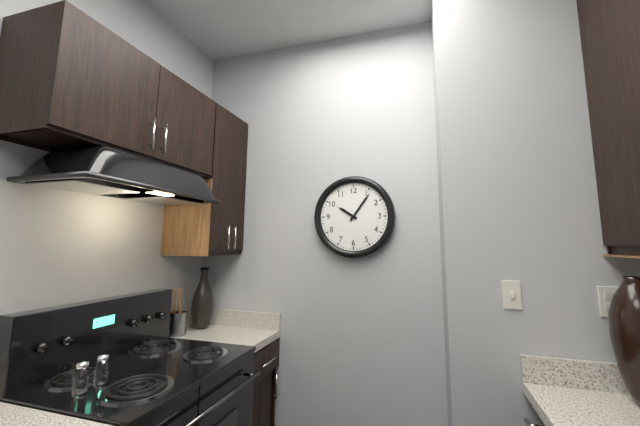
10:06
